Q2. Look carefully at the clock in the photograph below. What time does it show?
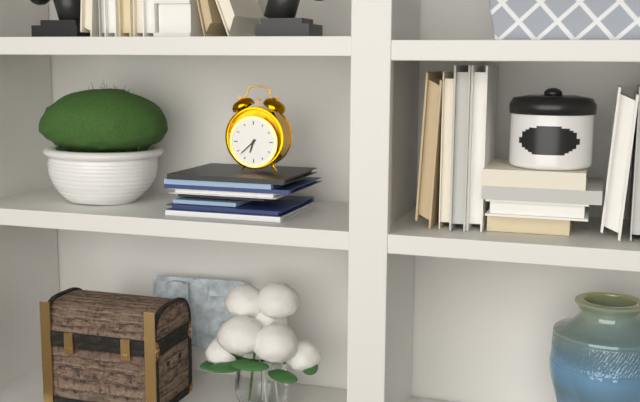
6:38
